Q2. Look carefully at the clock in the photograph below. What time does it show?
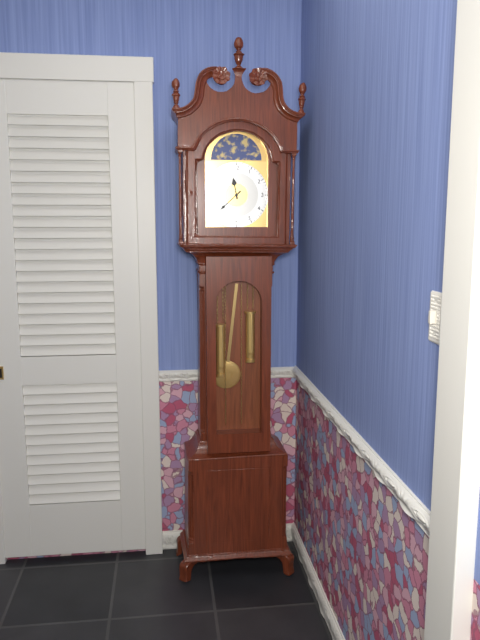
11:38
